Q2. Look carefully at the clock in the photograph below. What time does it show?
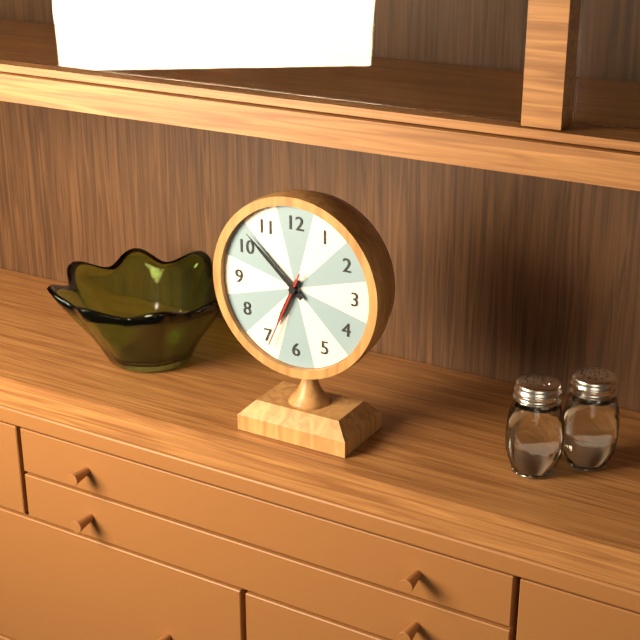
6:52:34
